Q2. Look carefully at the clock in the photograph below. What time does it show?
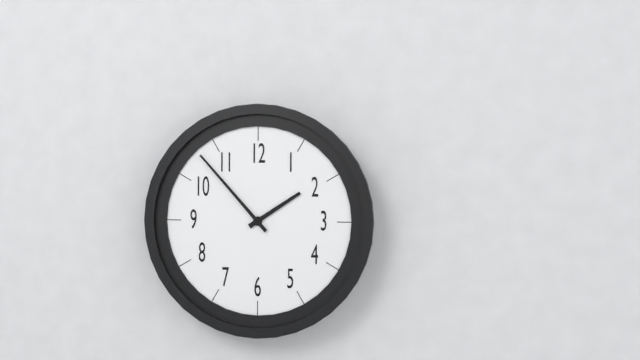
1:53
